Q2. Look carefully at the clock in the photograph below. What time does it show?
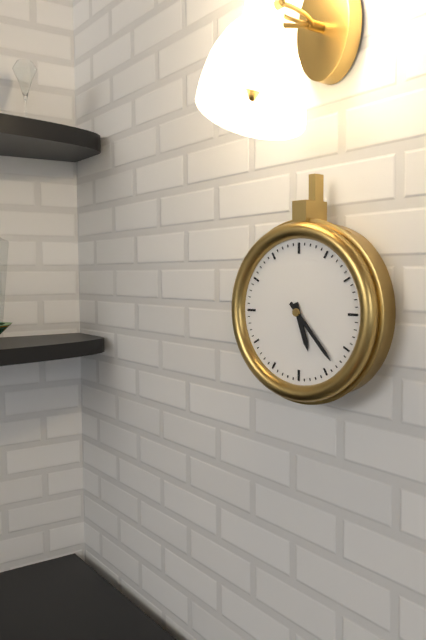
5:23
